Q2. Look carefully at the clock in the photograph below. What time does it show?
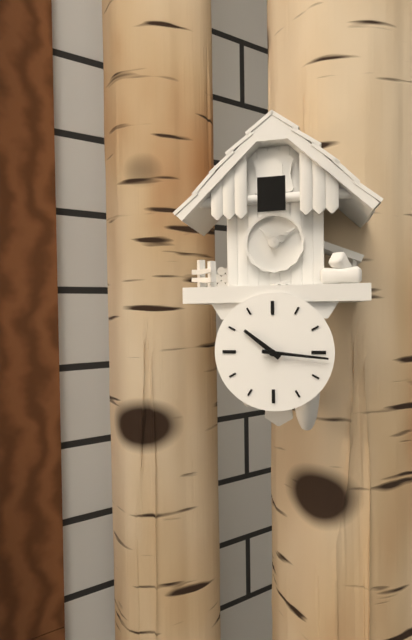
10:16
